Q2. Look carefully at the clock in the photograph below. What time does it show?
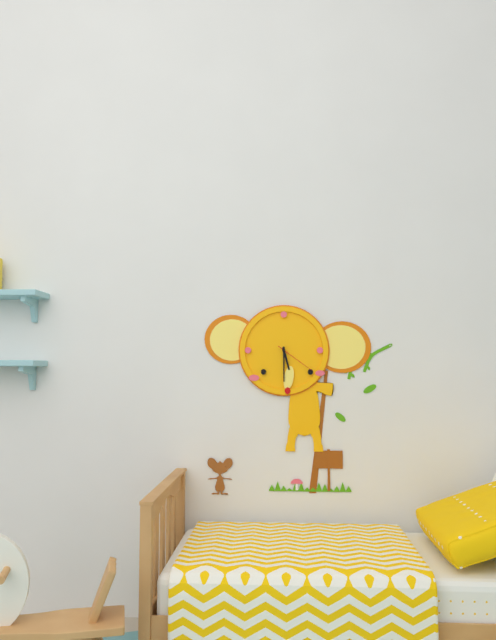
5:30
